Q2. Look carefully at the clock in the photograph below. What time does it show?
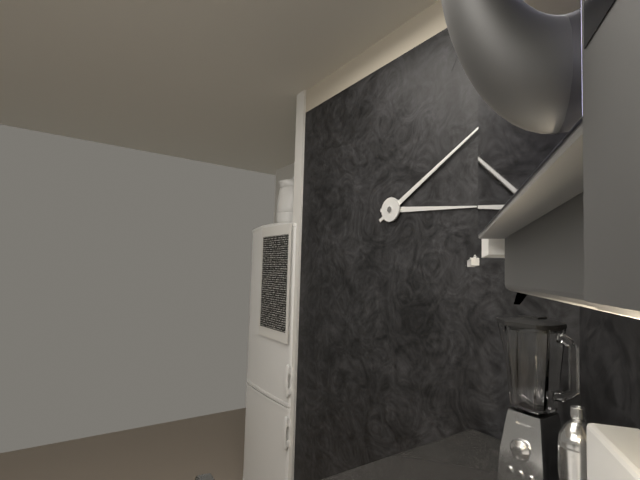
3:10
